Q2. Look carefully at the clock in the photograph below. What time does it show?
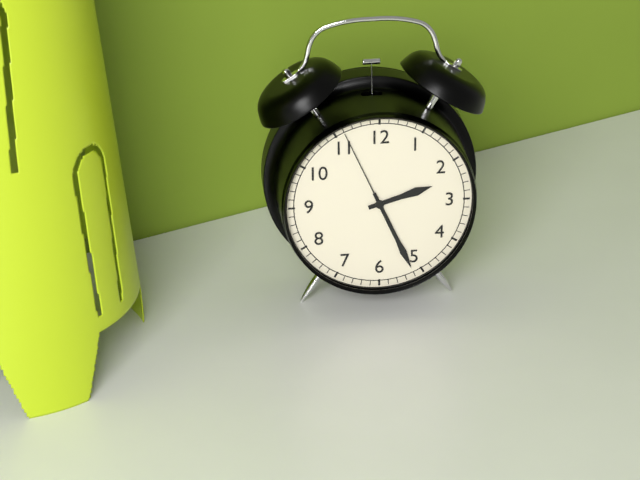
2:26:56
